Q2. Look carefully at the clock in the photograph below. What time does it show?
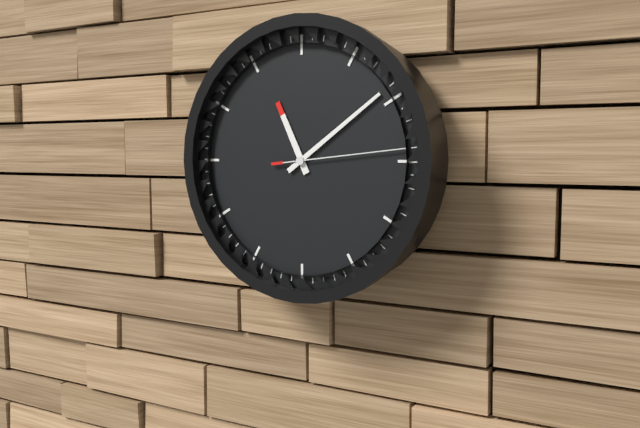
11:09:14
